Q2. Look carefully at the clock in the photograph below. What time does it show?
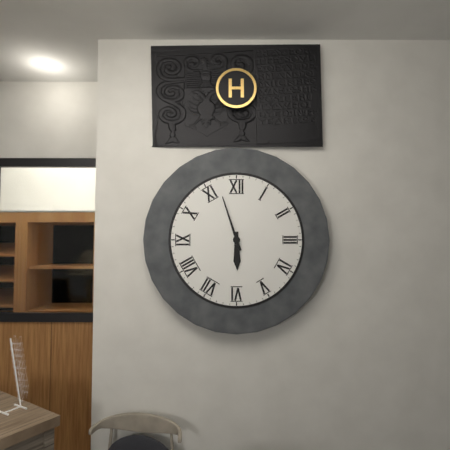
5:57
